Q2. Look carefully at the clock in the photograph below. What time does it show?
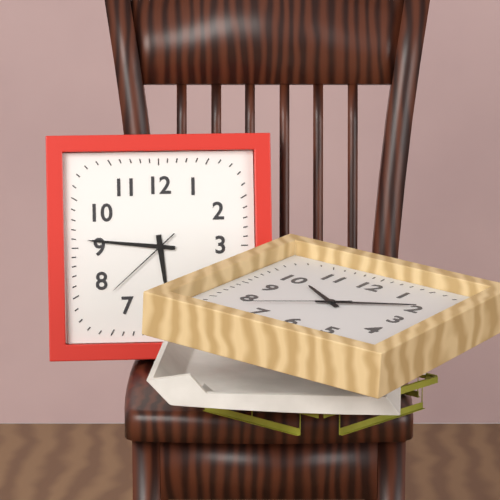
5:46:38
